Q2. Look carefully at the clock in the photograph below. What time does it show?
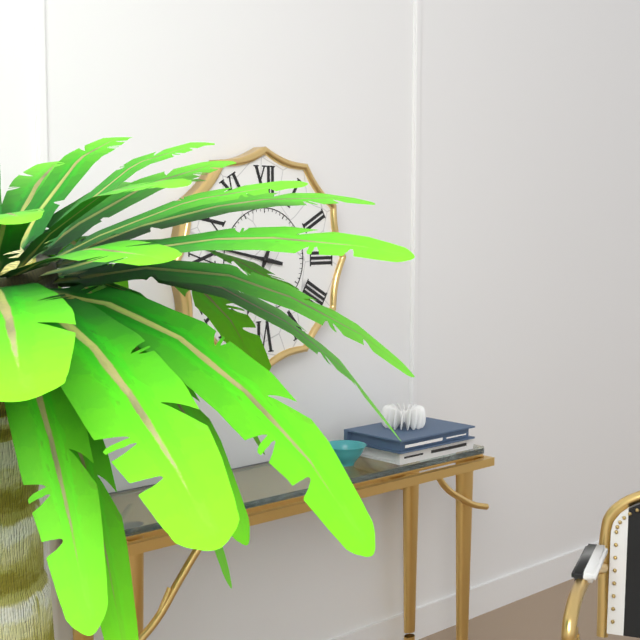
6:47
